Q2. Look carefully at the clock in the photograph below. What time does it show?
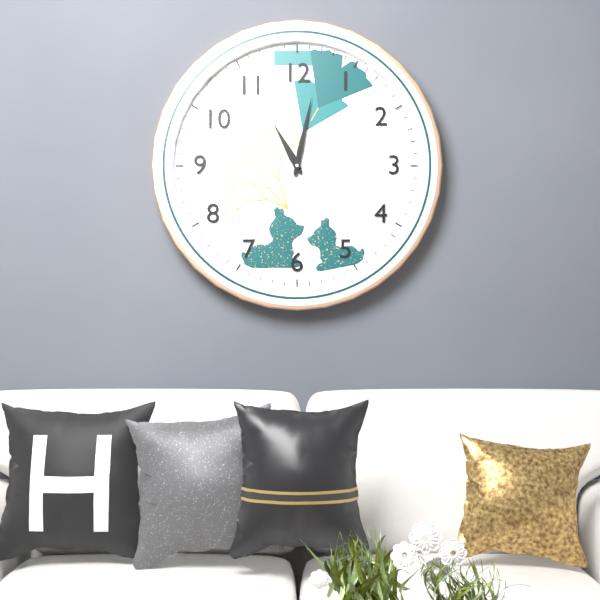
11:02
